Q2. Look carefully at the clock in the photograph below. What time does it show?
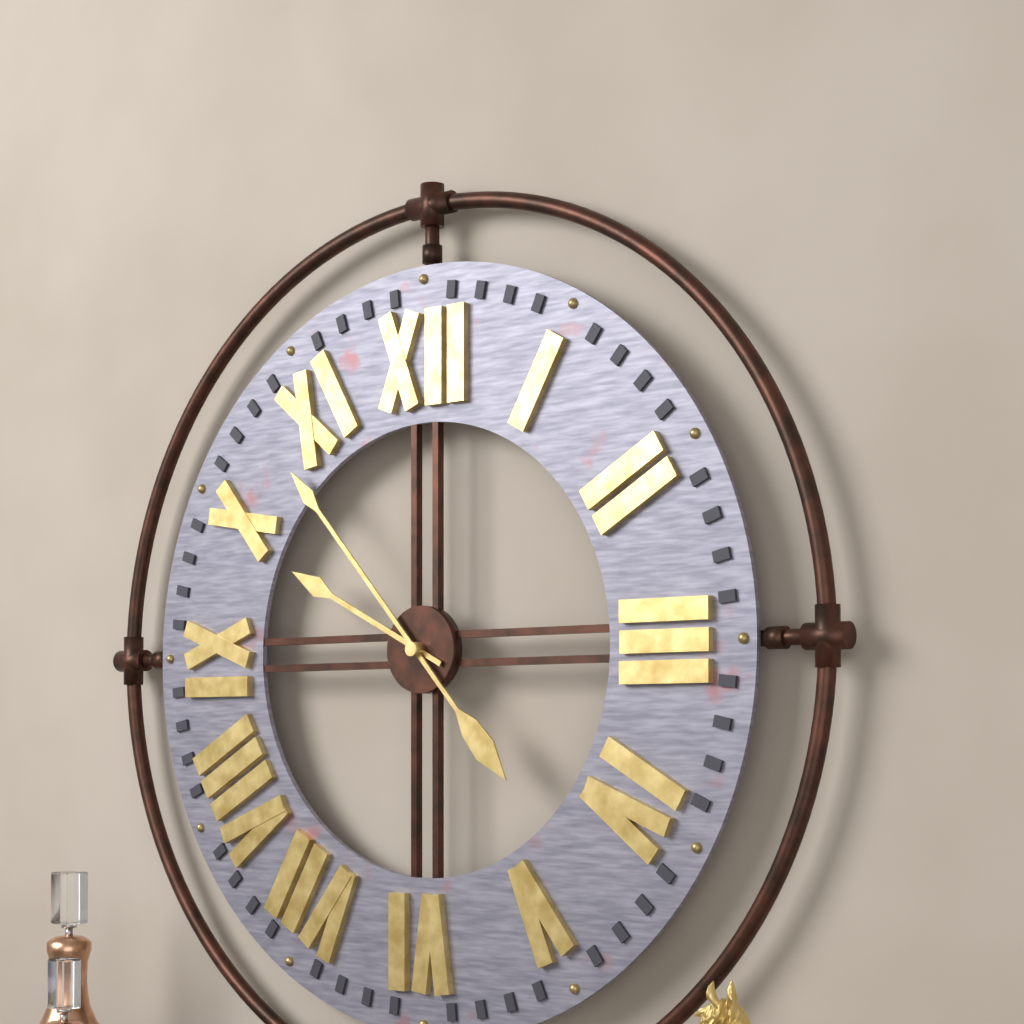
9:53
